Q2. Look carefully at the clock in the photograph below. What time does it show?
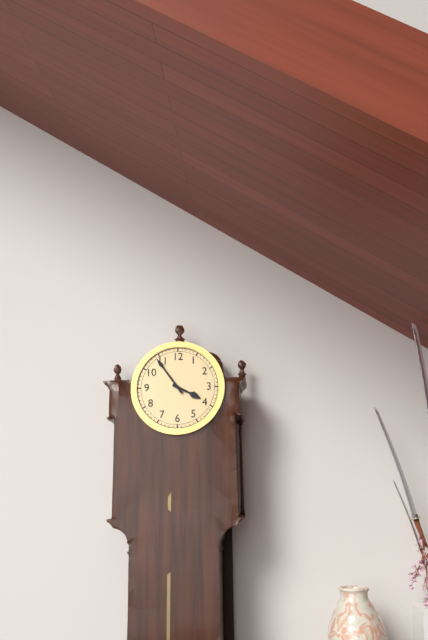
3:54
